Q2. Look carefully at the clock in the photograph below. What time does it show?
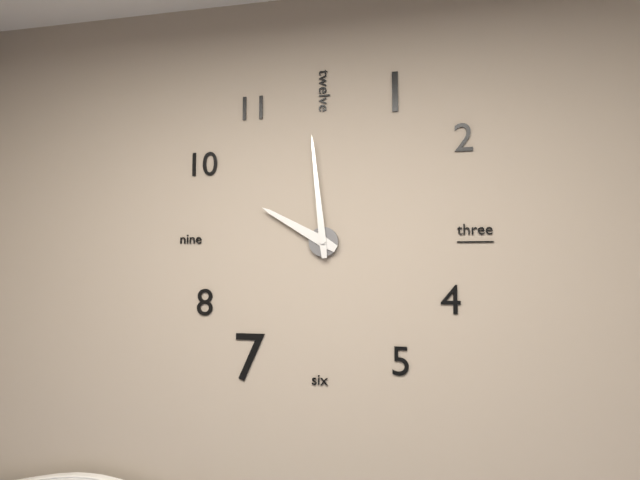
9:59
